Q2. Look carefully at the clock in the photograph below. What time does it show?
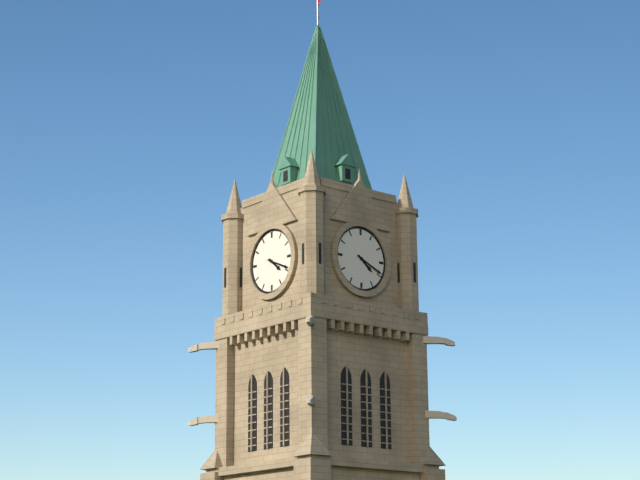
4:19
